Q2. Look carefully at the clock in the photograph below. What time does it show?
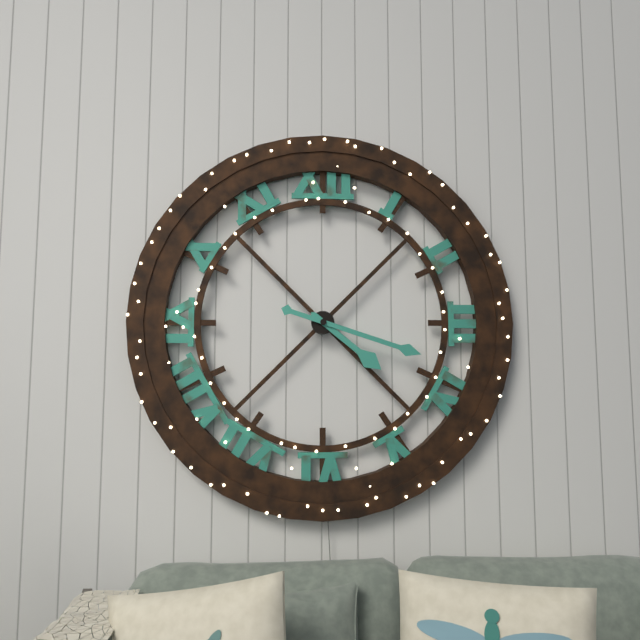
4:18
